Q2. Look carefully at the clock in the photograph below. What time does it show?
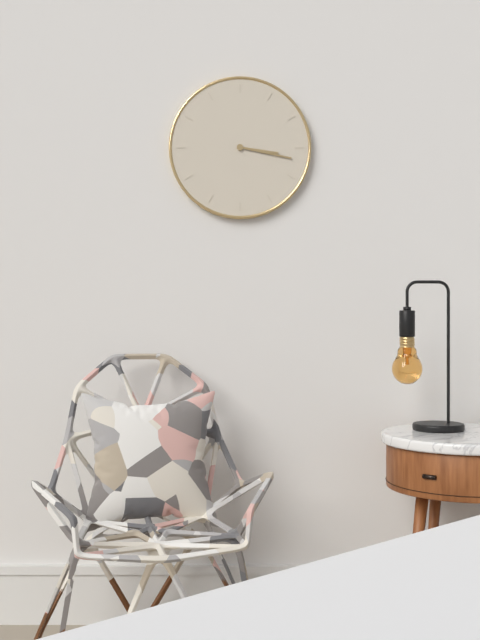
3:17
